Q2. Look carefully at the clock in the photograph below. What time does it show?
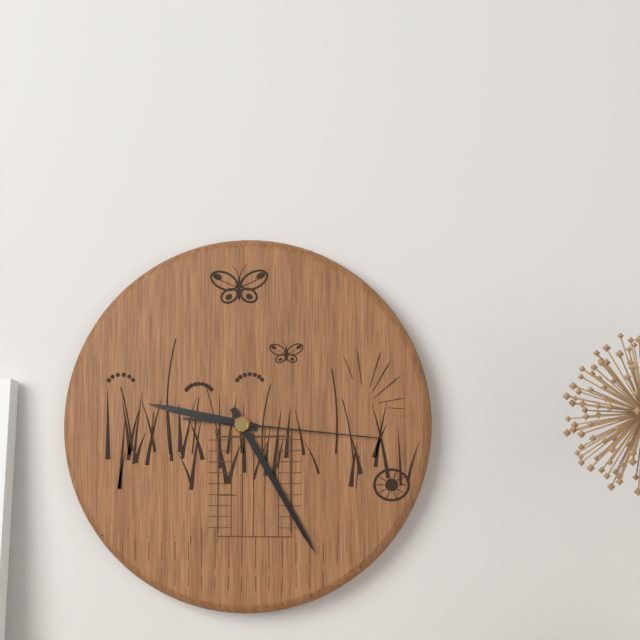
9:25:16
